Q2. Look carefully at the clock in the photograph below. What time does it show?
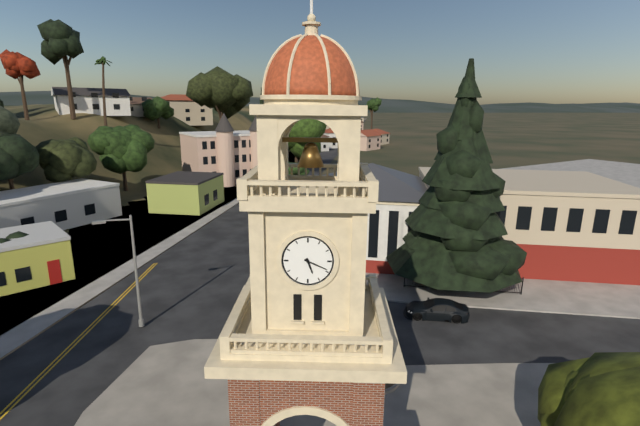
5:19
